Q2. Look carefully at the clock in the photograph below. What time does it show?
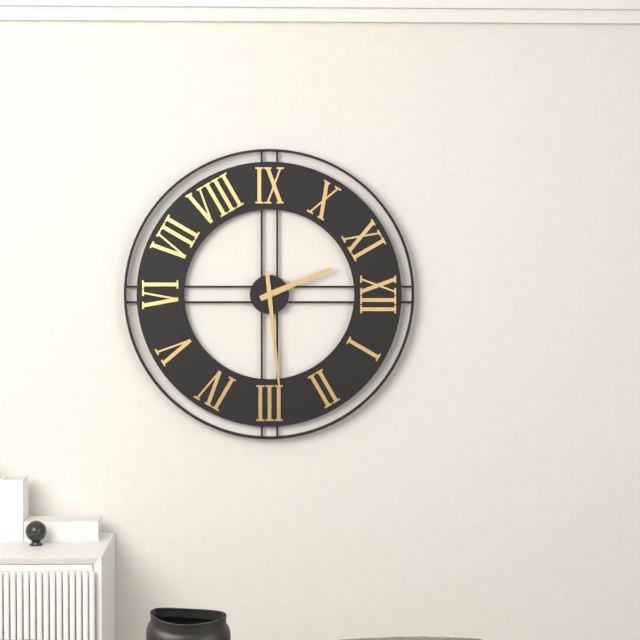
11:14
